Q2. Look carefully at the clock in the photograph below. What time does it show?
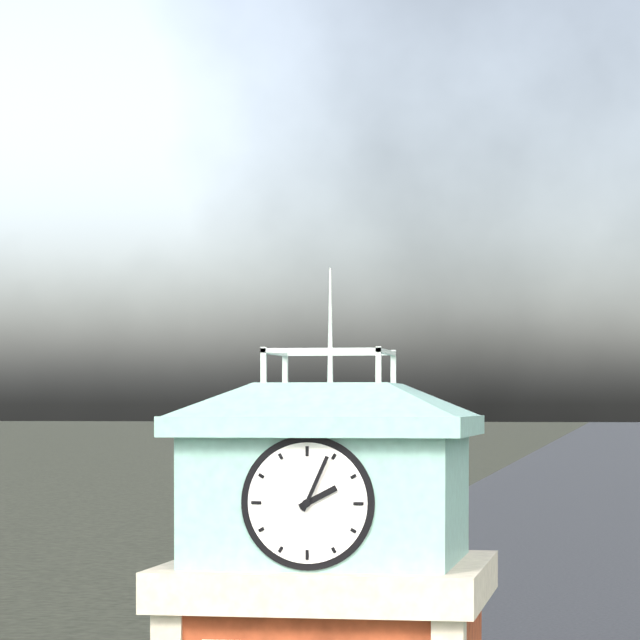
2:04
